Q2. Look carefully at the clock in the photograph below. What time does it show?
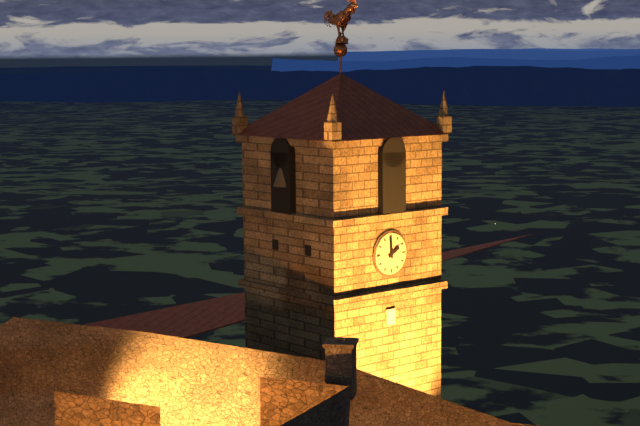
1:59
